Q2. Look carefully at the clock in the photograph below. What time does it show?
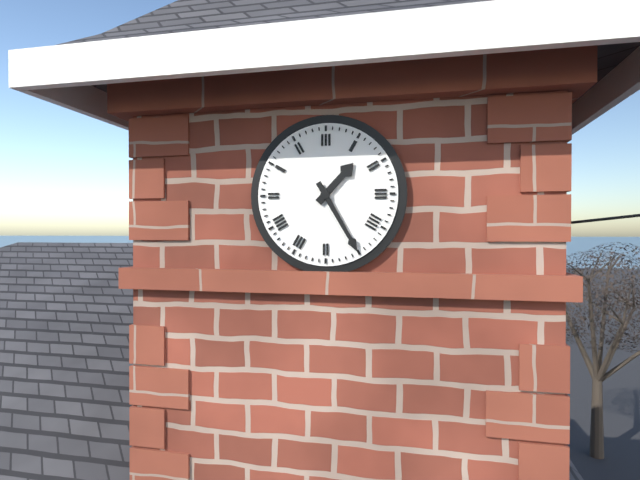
1:25
